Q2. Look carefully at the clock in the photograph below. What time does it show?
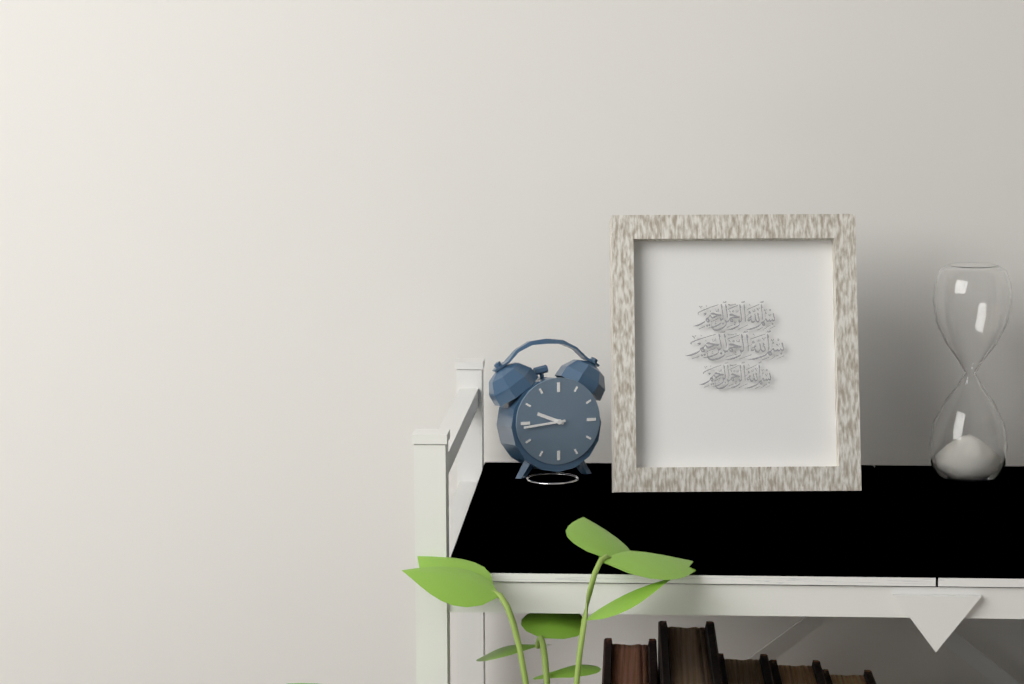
9:44
